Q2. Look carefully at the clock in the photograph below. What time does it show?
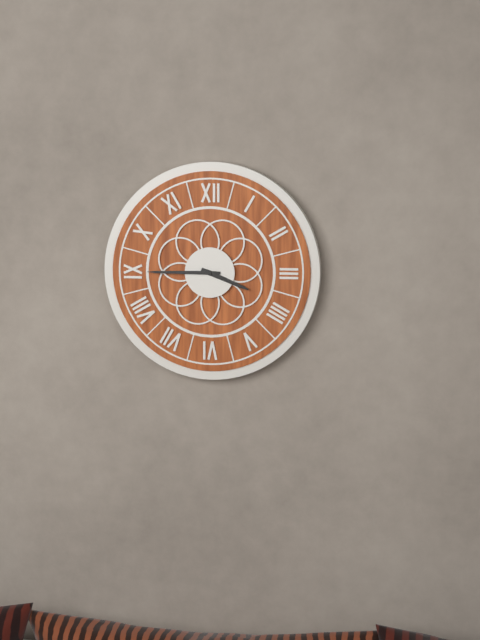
3:45
